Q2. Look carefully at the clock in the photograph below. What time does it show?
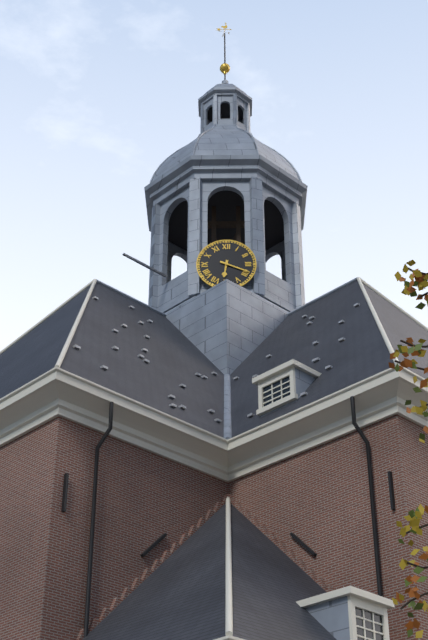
6:19
